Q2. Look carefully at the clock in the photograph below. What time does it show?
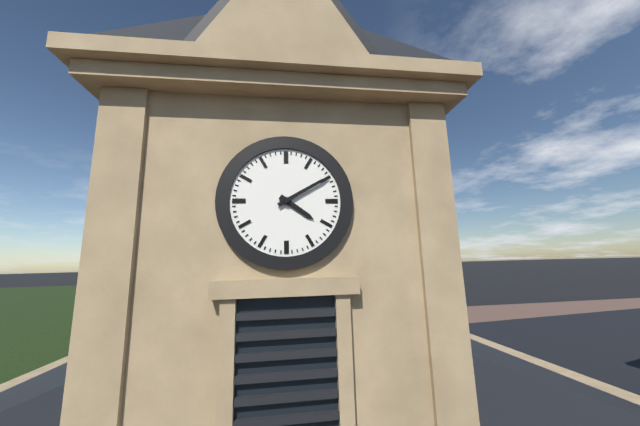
4:10
